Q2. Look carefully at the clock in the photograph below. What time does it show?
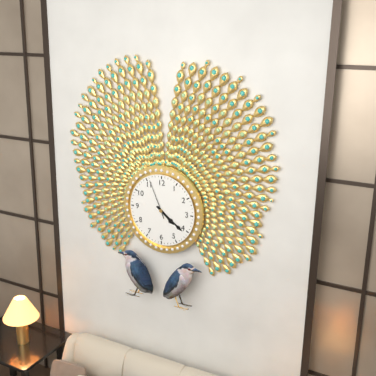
4:21
